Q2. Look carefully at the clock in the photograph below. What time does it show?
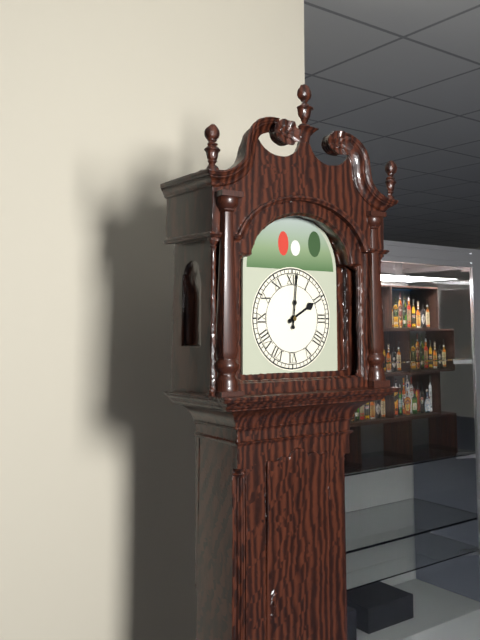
2:01
